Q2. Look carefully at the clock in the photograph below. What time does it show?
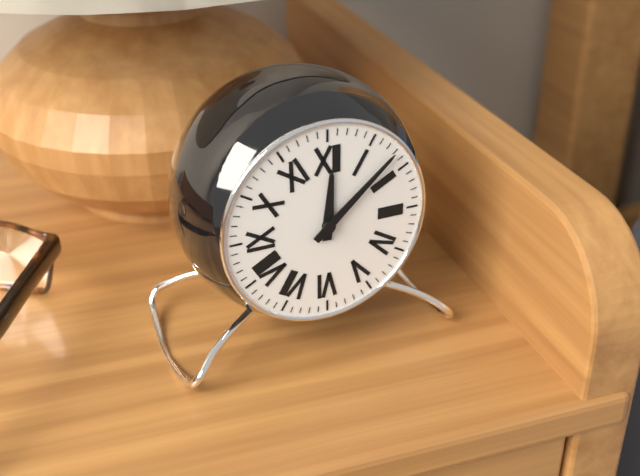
12:08
